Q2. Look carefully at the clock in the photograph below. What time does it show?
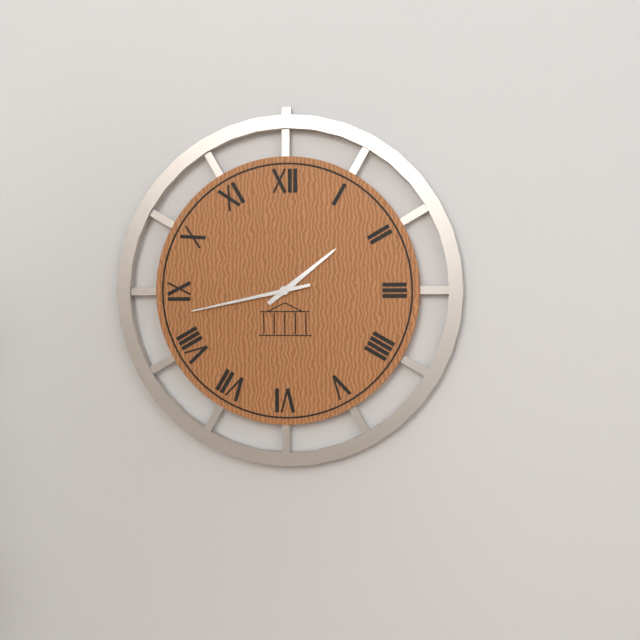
1:43
